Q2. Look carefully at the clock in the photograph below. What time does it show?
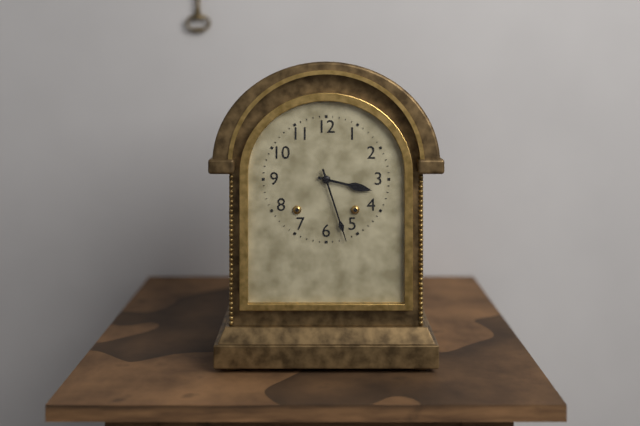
3:27
